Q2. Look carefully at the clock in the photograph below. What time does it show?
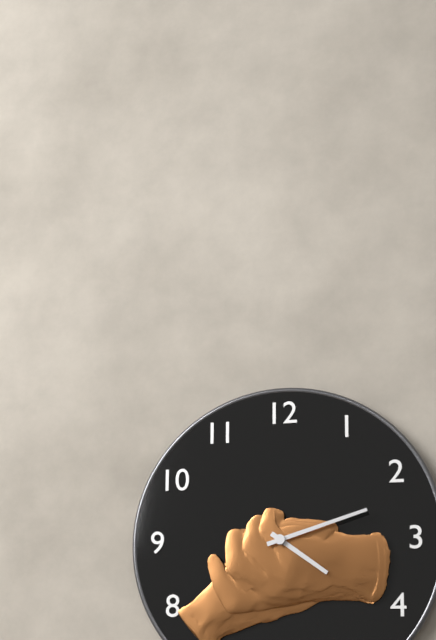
4:12
